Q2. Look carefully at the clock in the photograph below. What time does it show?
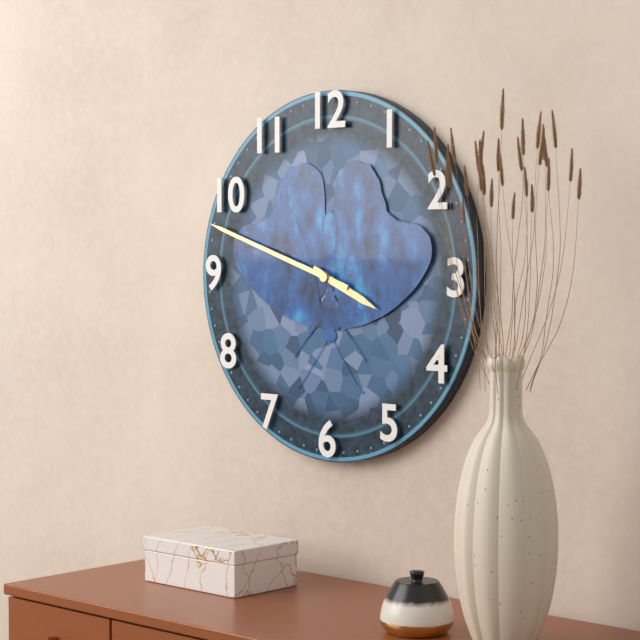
3:48
